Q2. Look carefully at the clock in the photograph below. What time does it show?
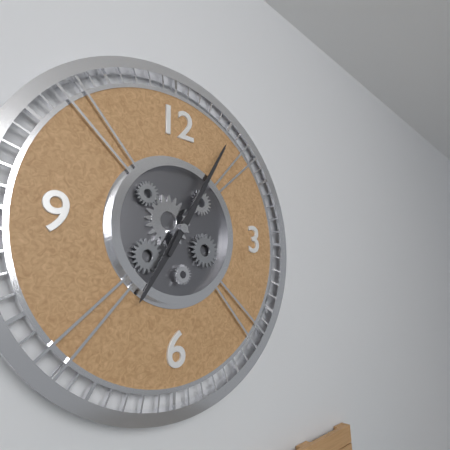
7:05
